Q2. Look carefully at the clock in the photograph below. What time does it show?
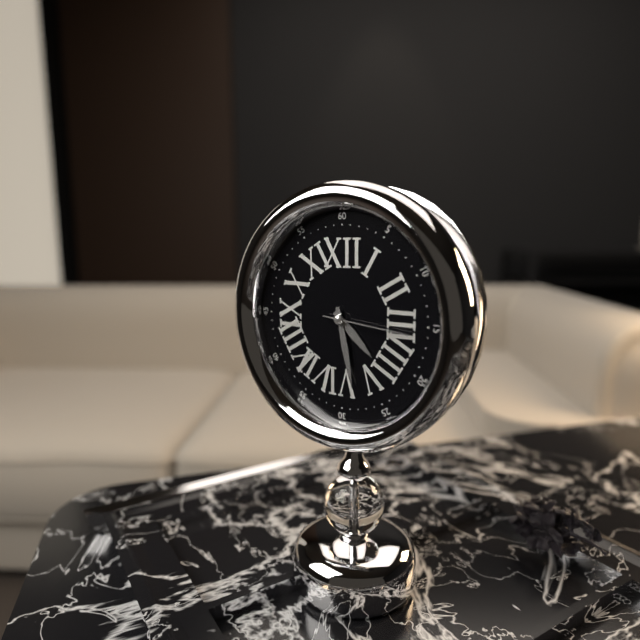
4:28:16
